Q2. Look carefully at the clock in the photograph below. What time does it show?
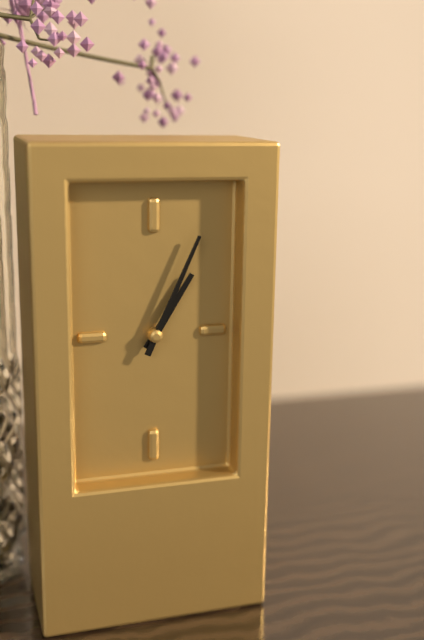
1:04
